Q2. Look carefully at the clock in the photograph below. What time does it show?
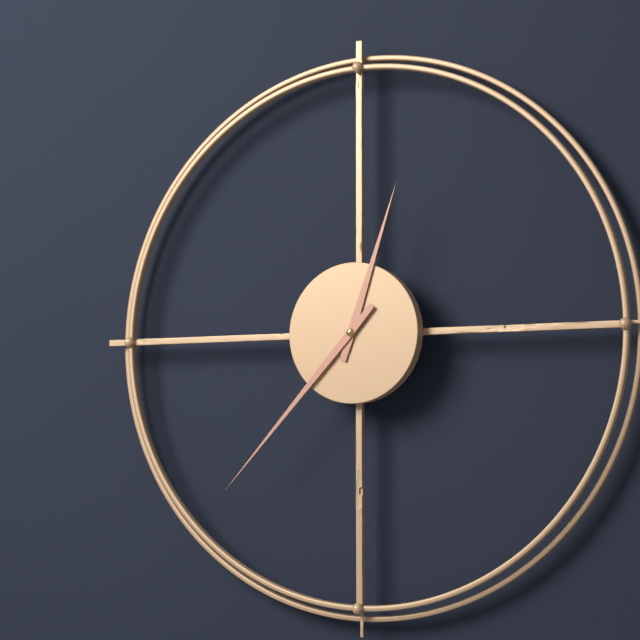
12:37
